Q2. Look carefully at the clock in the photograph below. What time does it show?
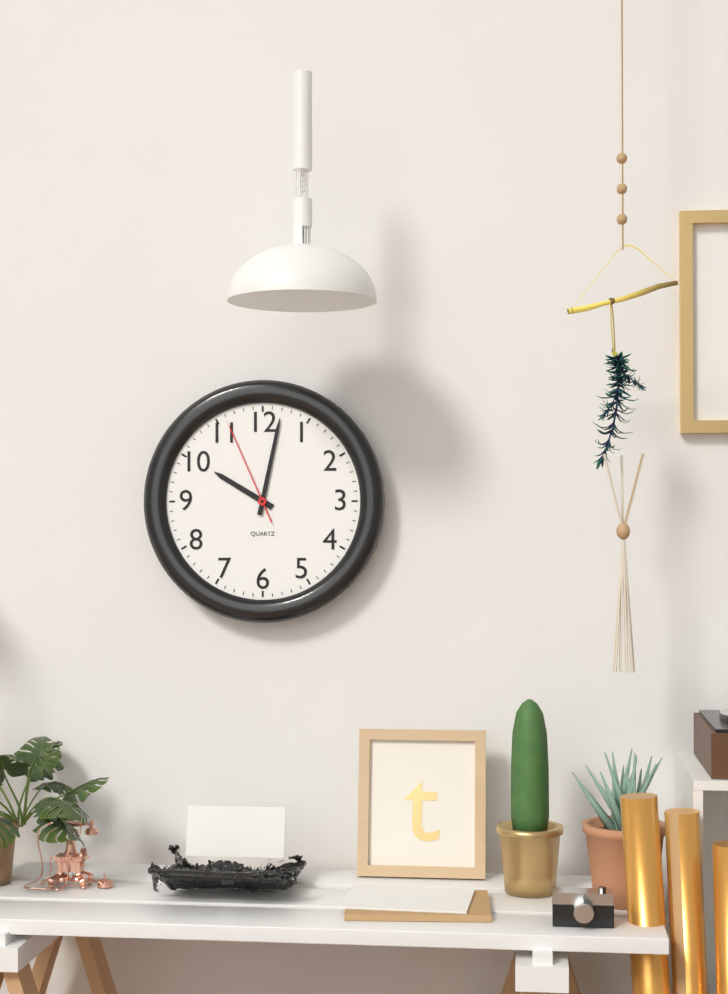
10:02:56
